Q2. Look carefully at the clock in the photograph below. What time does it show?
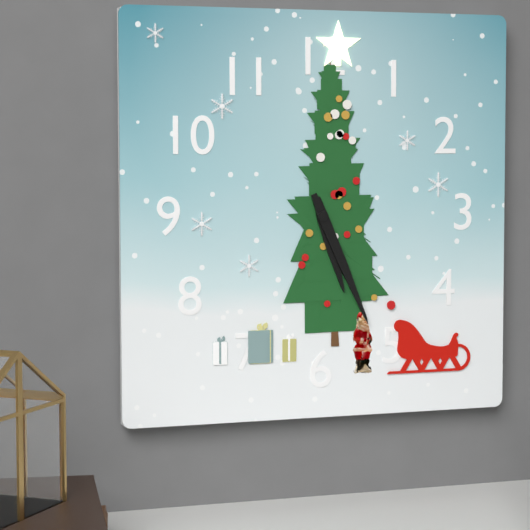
5:26
